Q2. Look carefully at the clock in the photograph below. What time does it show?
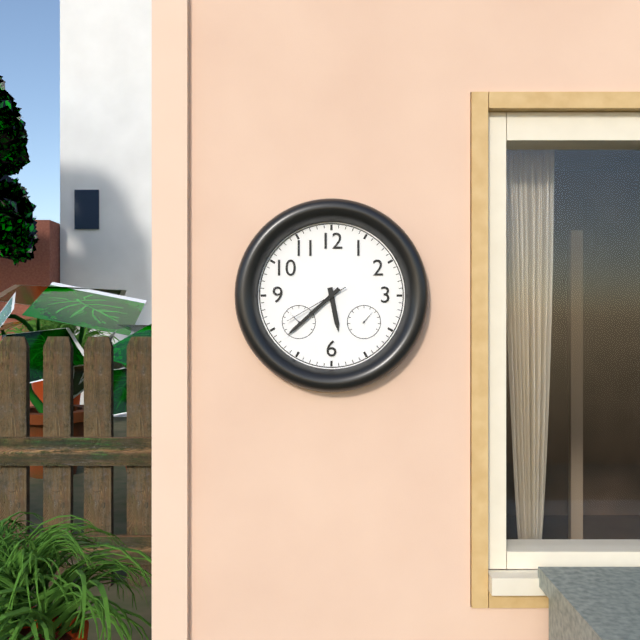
5:38:40
